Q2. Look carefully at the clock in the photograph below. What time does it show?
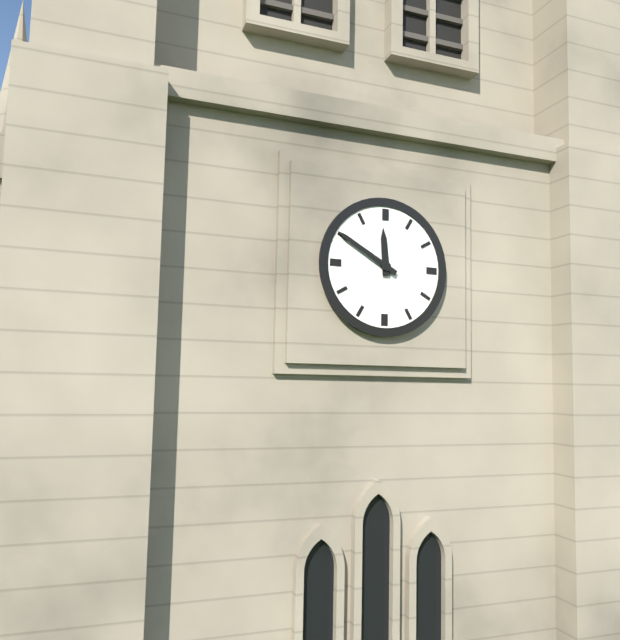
11:50
